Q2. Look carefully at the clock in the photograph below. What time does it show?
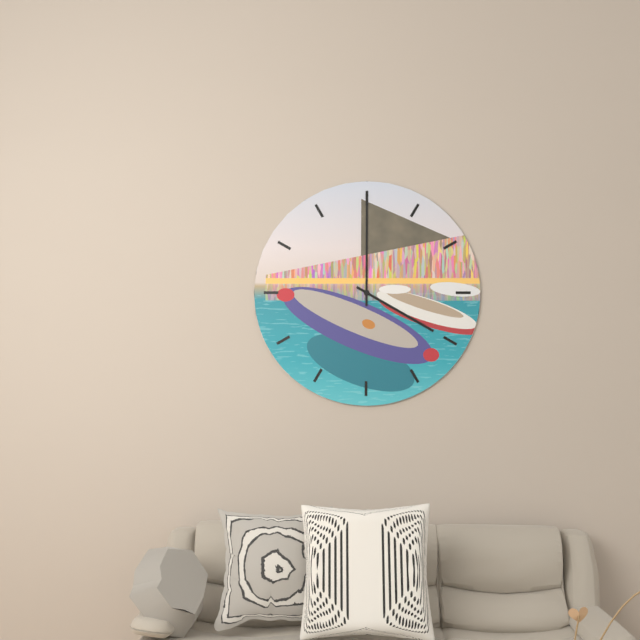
4:00
